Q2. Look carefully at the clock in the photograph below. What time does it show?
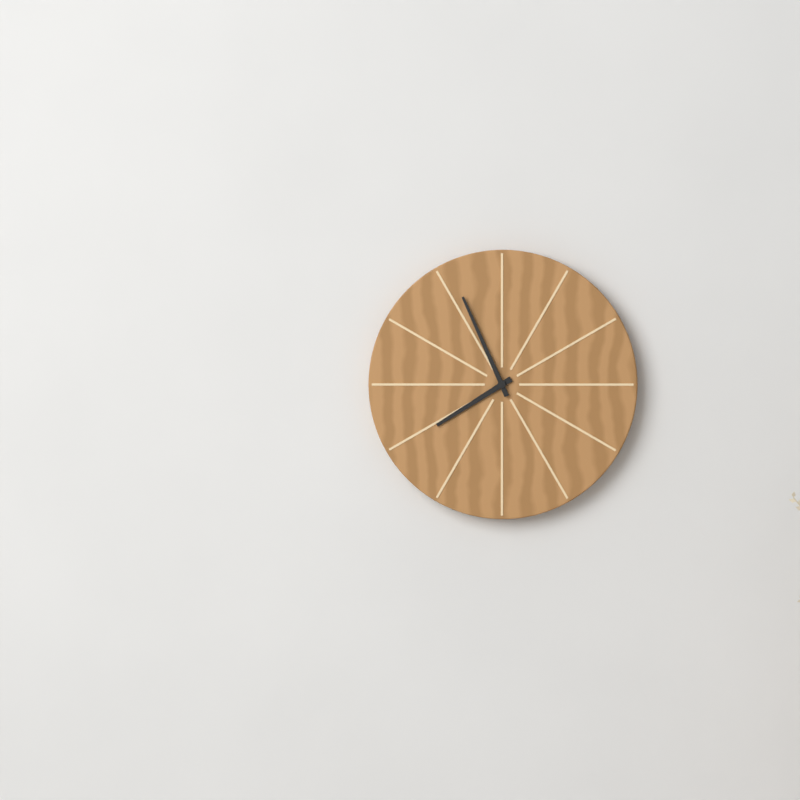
7:56
